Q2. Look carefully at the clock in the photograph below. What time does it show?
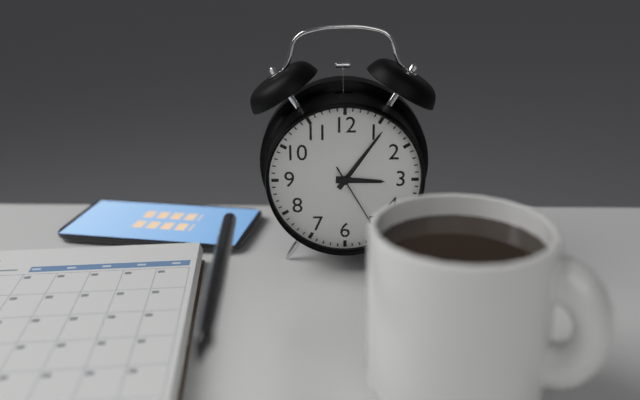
3:06:25
